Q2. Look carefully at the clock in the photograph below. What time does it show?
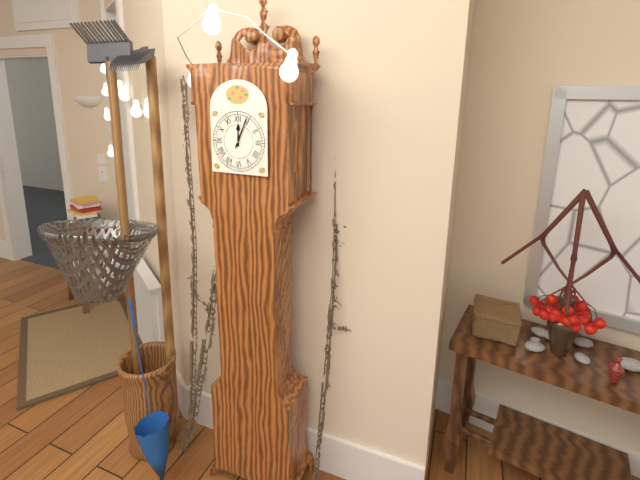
12:04
